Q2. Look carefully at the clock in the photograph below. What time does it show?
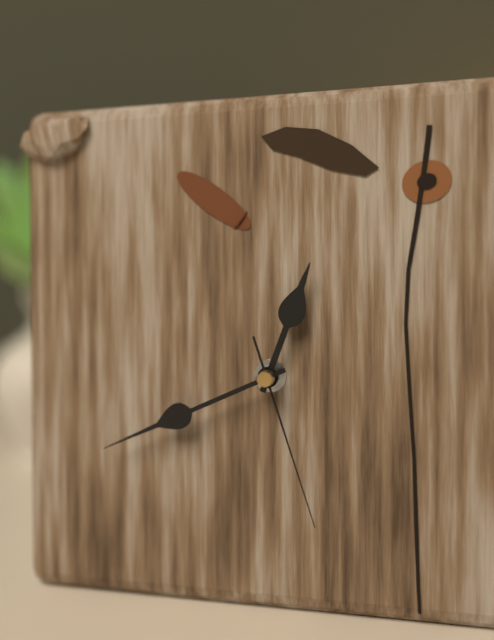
12:41:27
